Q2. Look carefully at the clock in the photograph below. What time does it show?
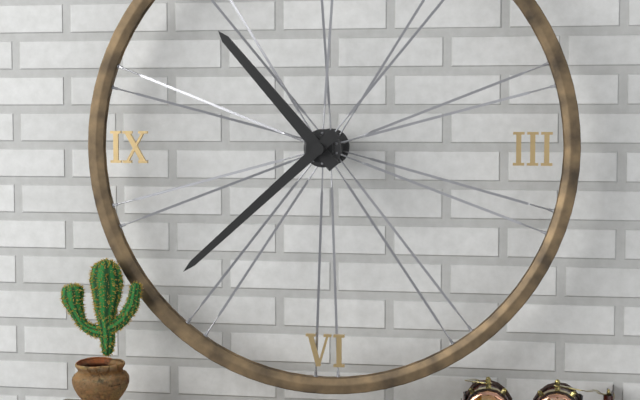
10:38
